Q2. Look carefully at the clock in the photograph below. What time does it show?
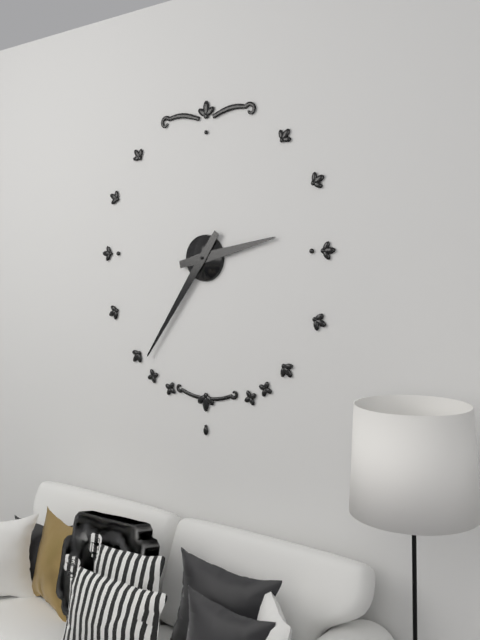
2:36
